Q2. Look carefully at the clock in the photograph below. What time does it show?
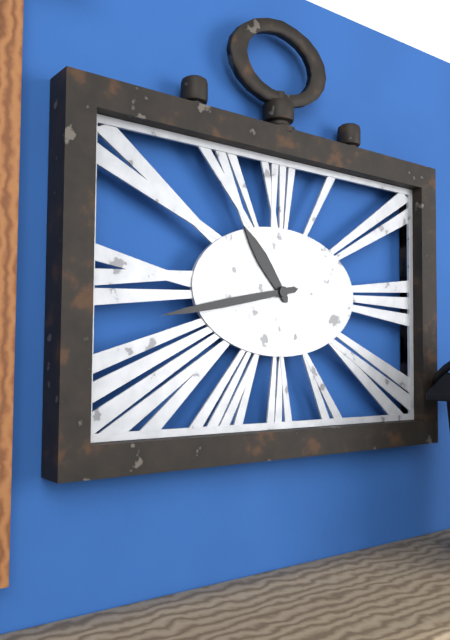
10:43
